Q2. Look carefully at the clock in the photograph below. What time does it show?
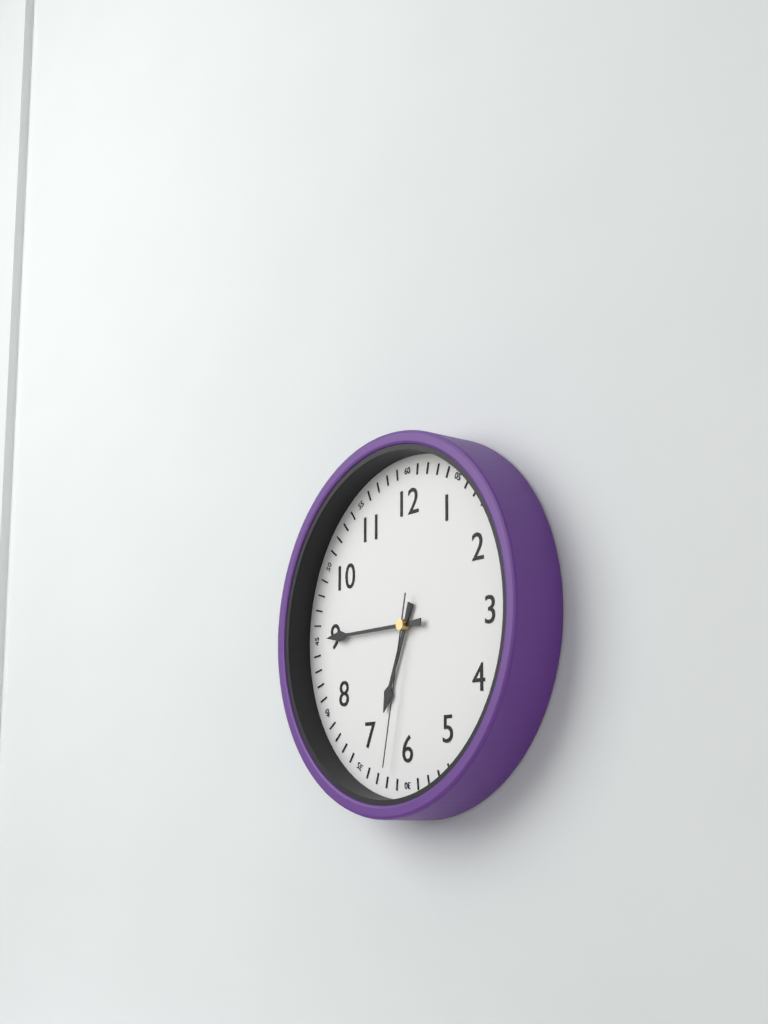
6:45:32
